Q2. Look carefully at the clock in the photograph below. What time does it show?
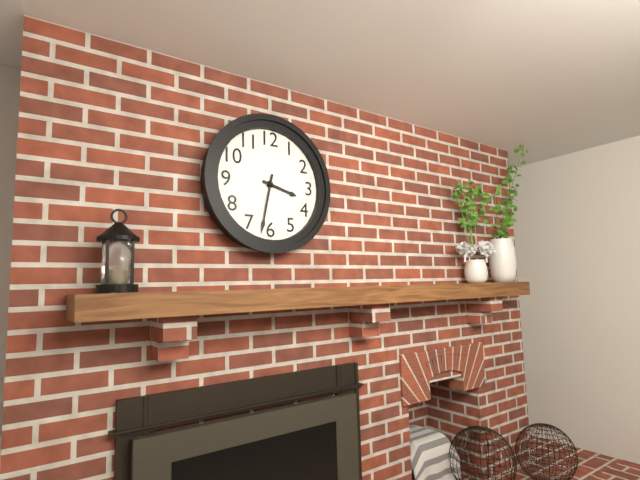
3:32
